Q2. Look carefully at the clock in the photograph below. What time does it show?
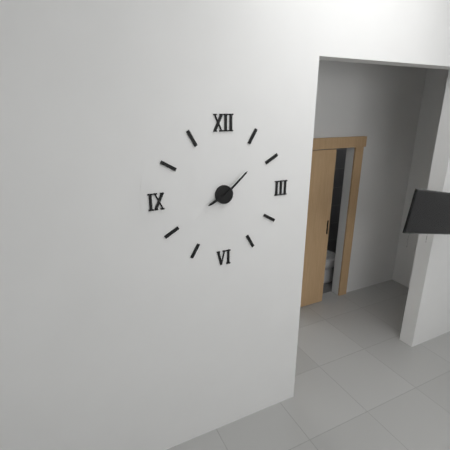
8:08
